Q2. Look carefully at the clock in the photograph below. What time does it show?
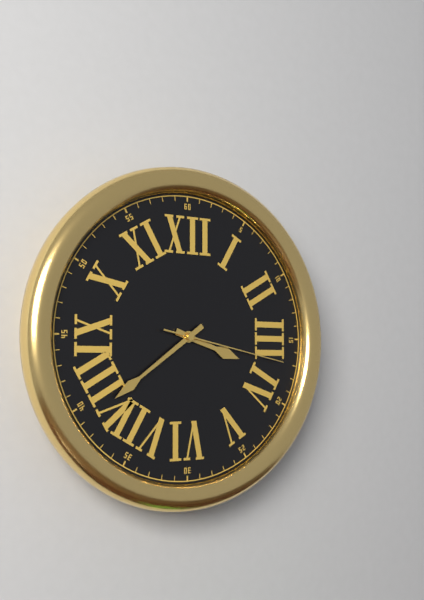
3:39:17
